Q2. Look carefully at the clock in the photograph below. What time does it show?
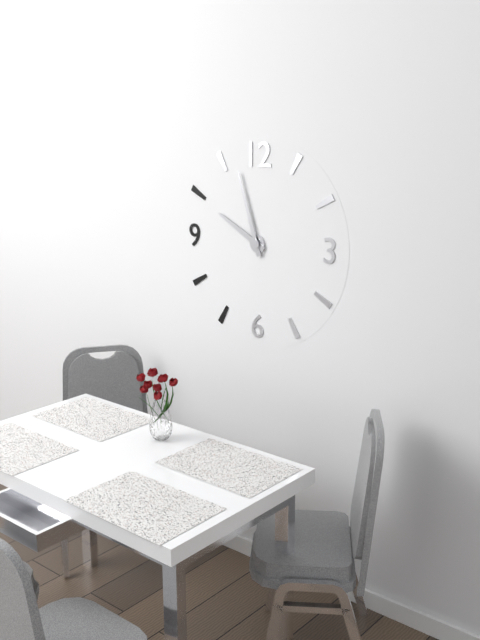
9:57
